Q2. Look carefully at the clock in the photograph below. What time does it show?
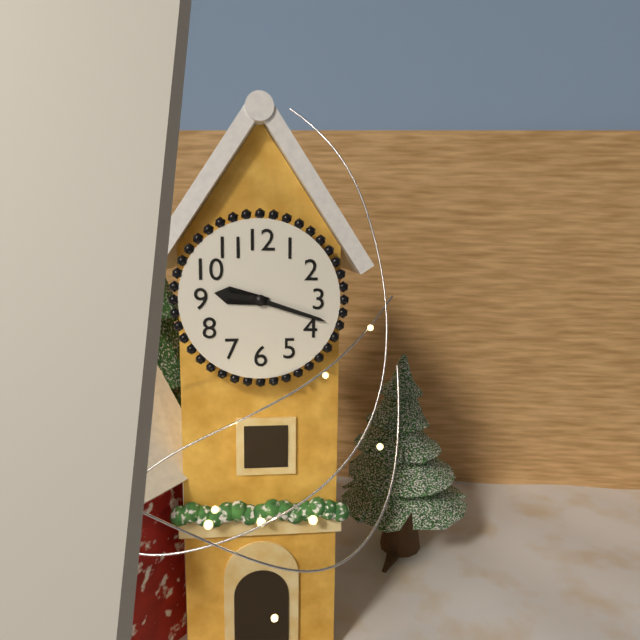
9:18
